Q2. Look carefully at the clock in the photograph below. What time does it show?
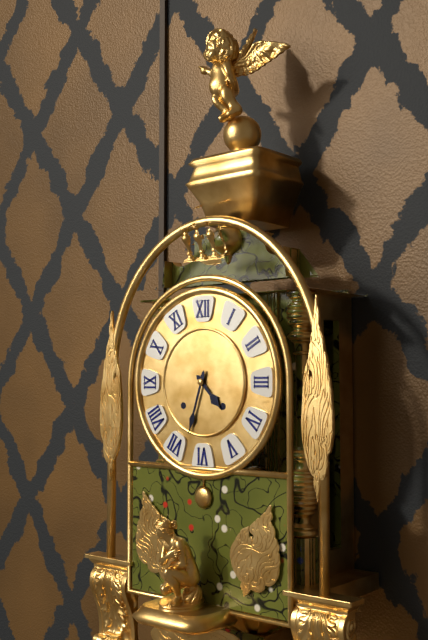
4:33
